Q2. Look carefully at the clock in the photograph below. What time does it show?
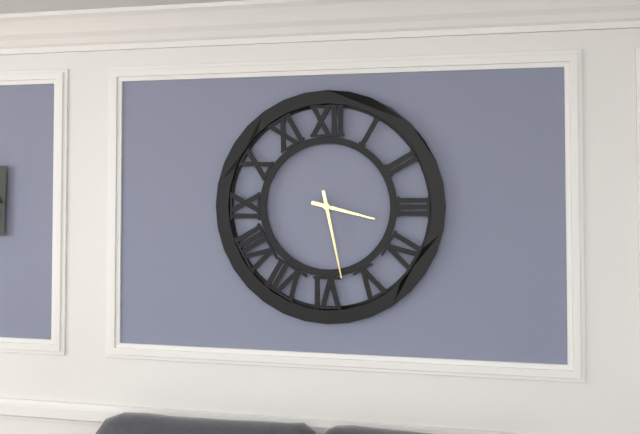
3:28
